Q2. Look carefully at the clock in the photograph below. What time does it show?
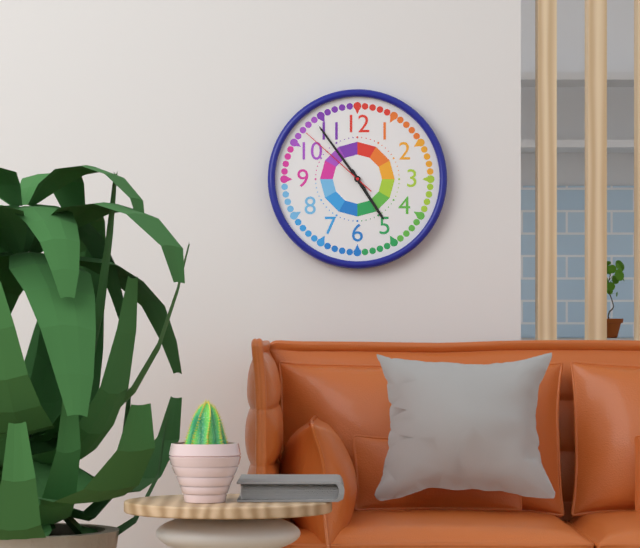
4:54:52
